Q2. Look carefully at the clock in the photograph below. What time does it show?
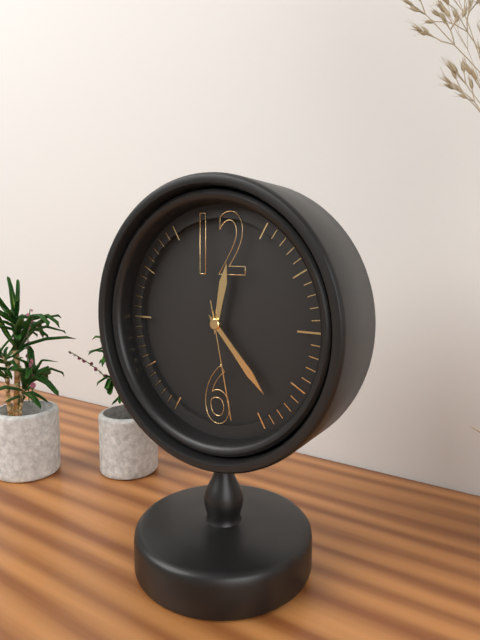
12:23:28
